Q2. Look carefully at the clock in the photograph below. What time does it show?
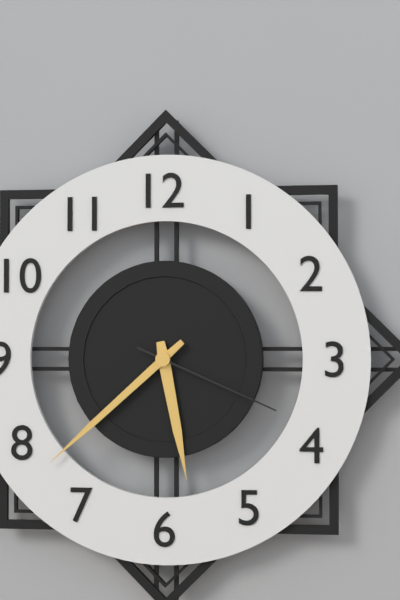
5:38:19
